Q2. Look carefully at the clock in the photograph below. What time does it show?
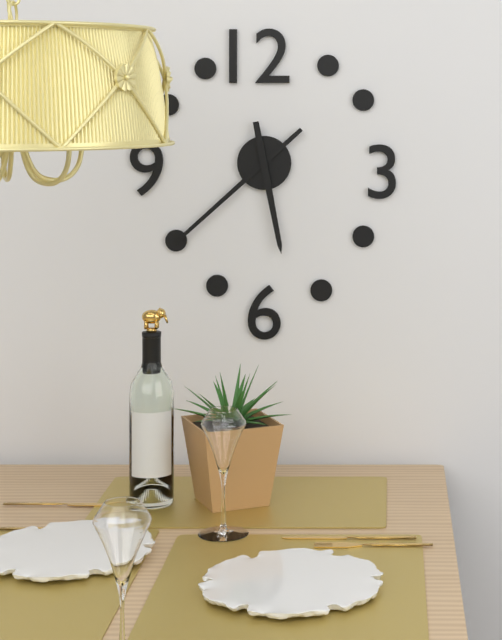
5:38
